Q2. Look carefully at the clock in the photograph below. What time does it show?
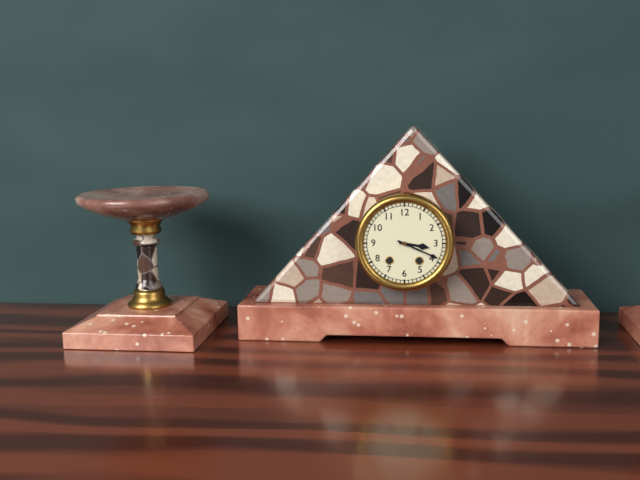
3:19
